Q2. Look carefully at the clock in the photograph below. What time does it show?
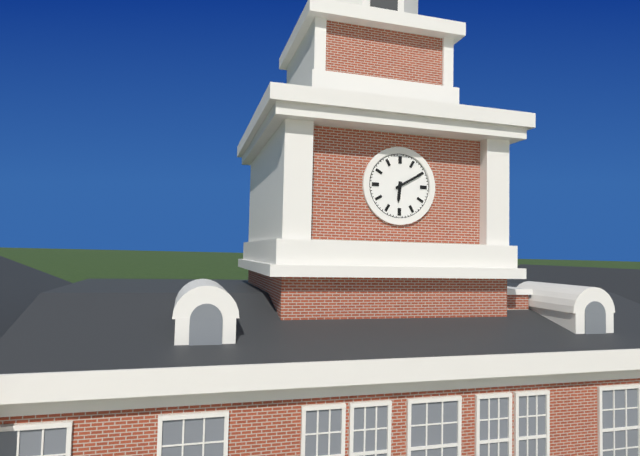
6:10
